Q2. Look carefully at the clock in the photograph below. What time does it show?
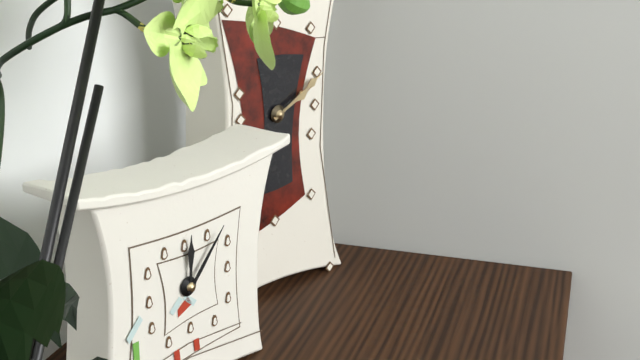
2:10
